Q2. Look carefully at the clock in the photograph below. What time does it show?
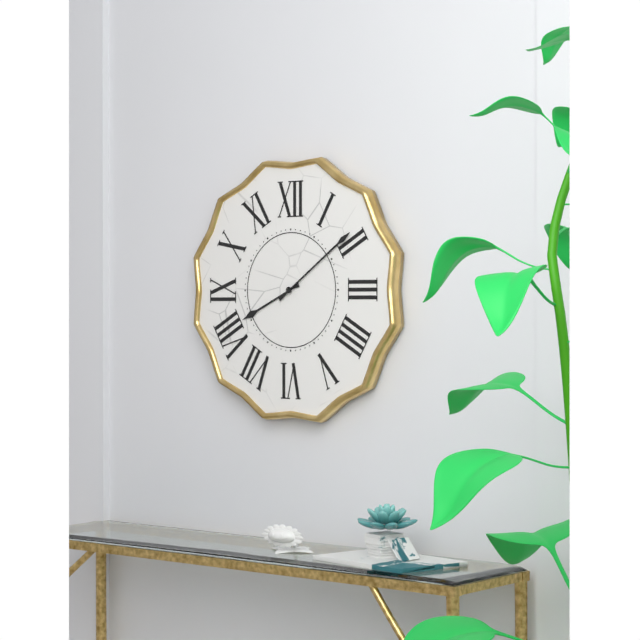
8:09
